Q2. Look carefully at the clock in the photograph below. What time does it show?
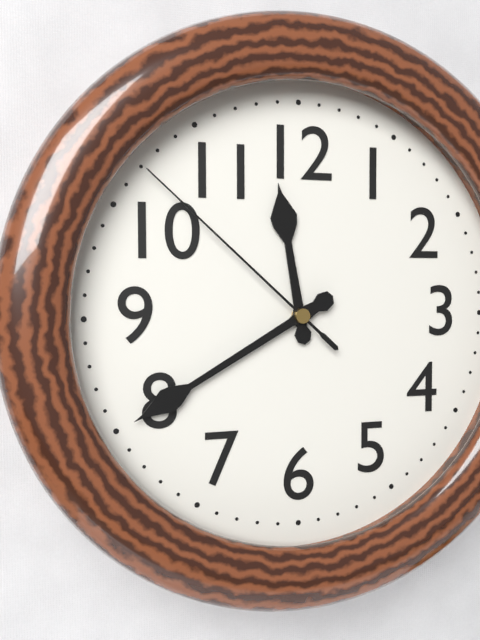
11:40:52
